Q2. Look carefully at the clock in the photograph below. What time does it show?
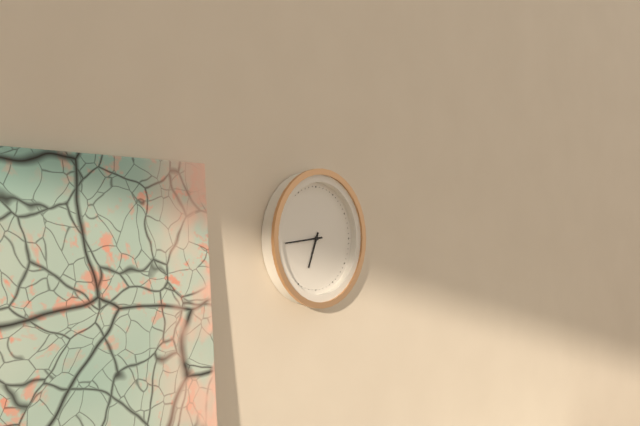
6:44
